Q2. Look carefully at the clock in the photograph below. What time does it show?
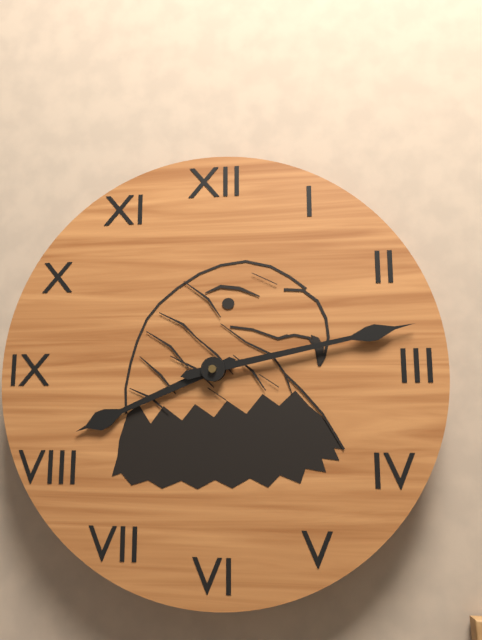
8:13
